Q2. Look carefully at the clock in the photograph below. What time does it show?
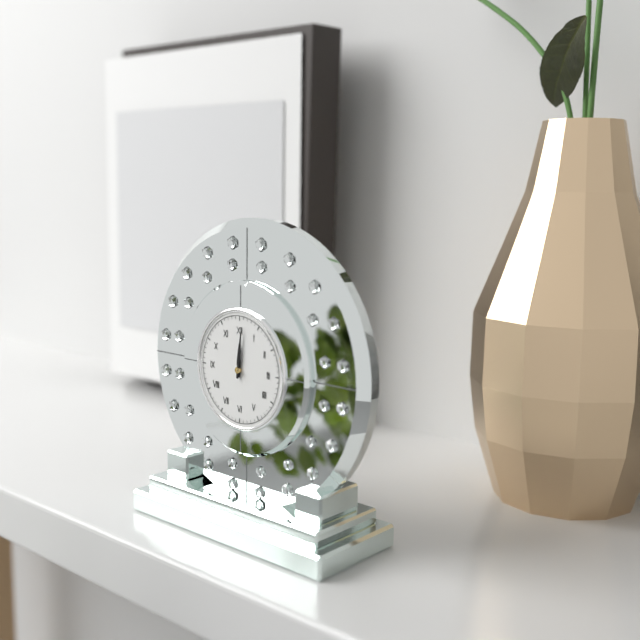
12:01
